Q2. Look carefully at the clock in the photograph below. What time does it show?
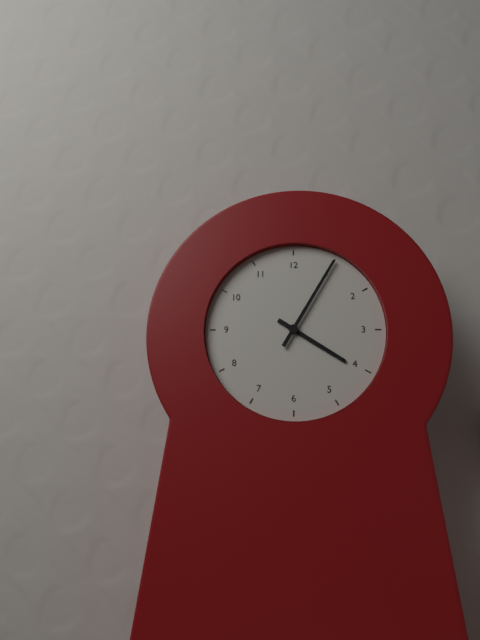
4:05
